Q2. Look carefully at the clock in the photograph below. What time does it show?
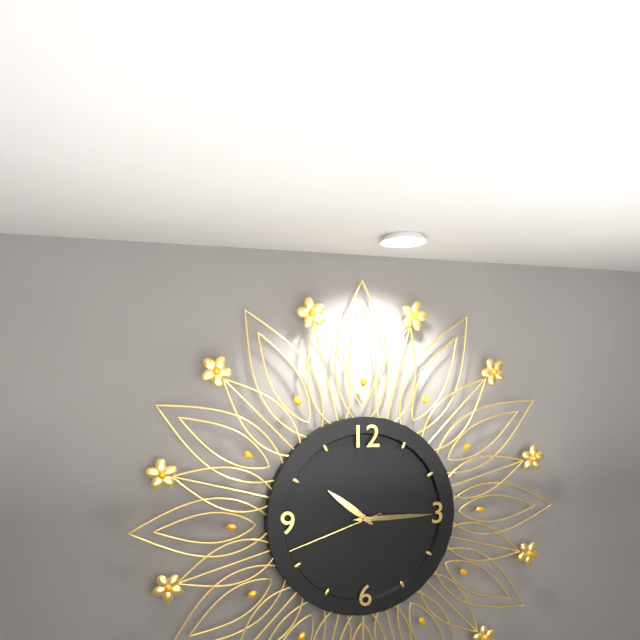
10:15:42
